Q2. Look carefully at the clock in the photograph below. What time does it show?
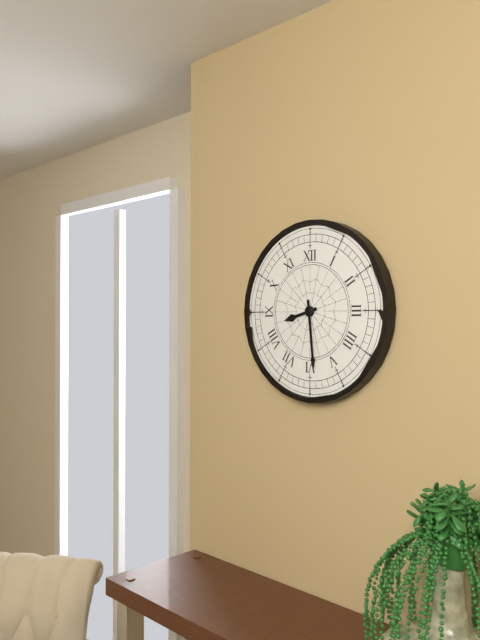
8:29
